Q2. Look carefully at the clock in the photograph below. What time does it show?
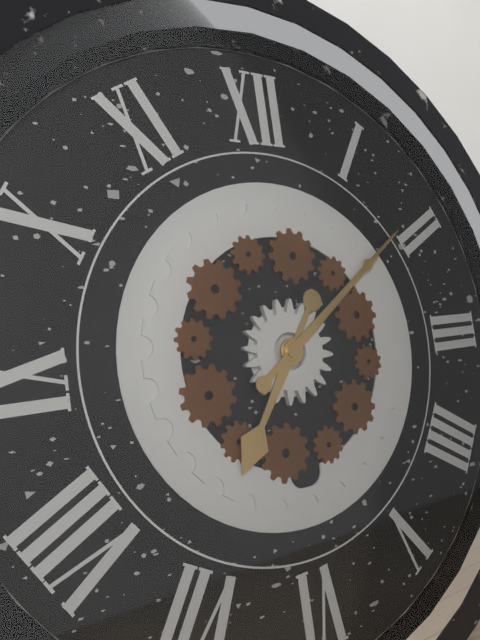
7:09
